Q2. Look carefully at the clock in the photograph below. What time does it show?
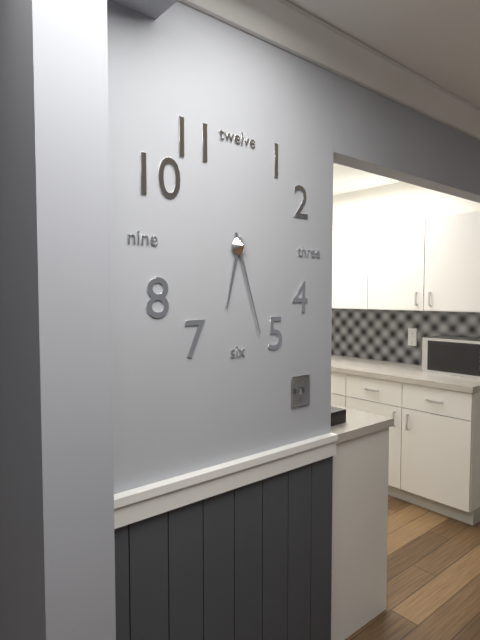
6:27
